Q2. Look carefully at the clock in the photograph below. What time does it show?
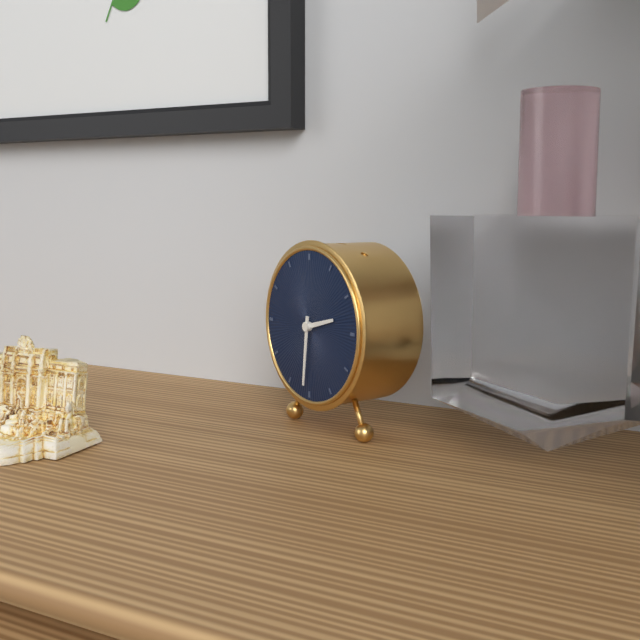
2:31
